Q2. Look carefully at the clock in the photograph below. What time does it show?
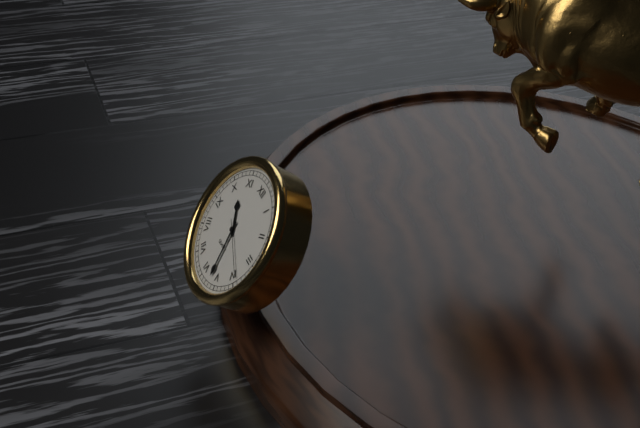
10:27:19
